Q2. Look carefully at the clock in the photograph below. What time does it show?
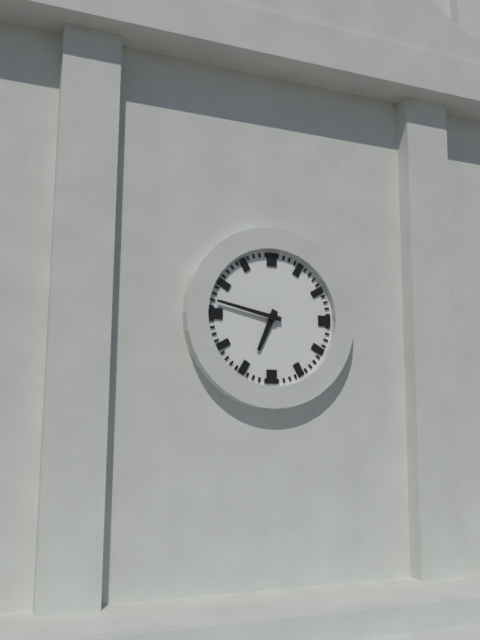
6:47
